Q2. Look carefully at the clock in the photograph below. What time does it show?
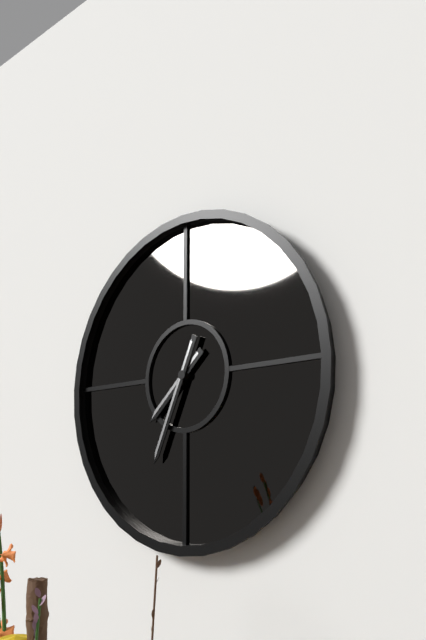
7:34
